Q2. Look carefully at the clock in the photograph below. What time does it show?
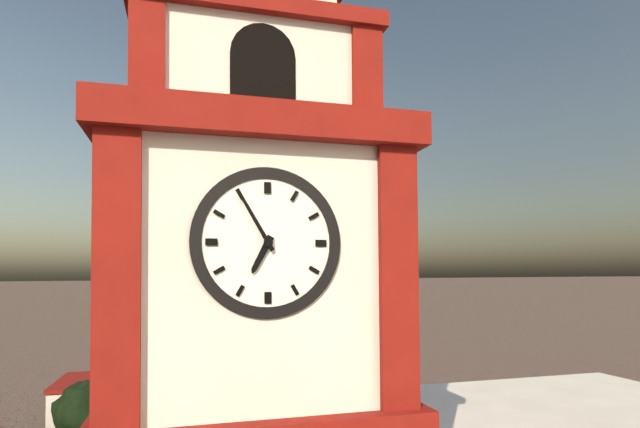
6:55
